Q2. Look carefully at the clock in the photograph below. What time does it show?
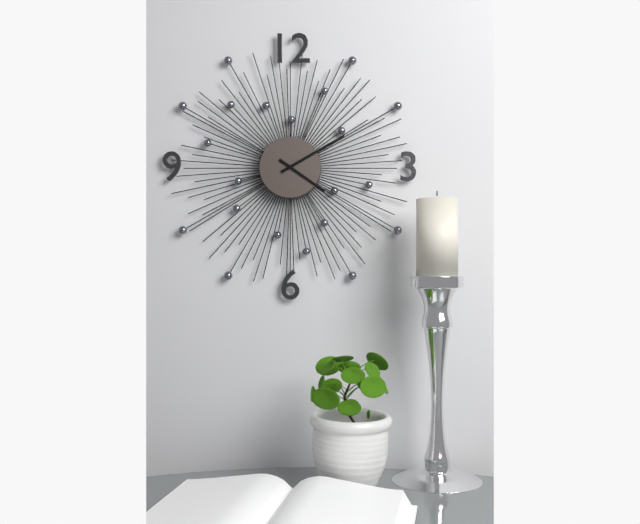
4:10
